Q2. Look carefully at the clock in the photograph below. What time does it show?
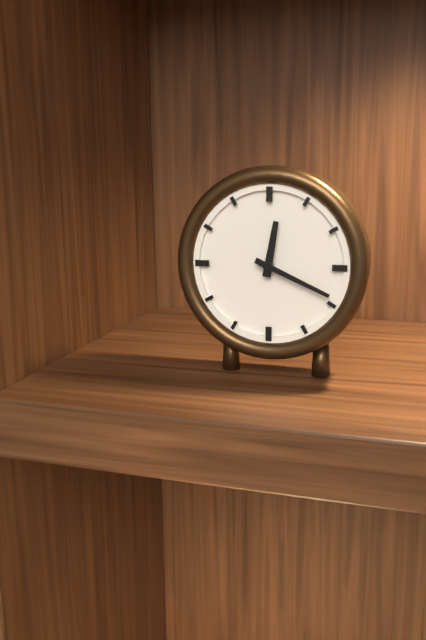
12:19
